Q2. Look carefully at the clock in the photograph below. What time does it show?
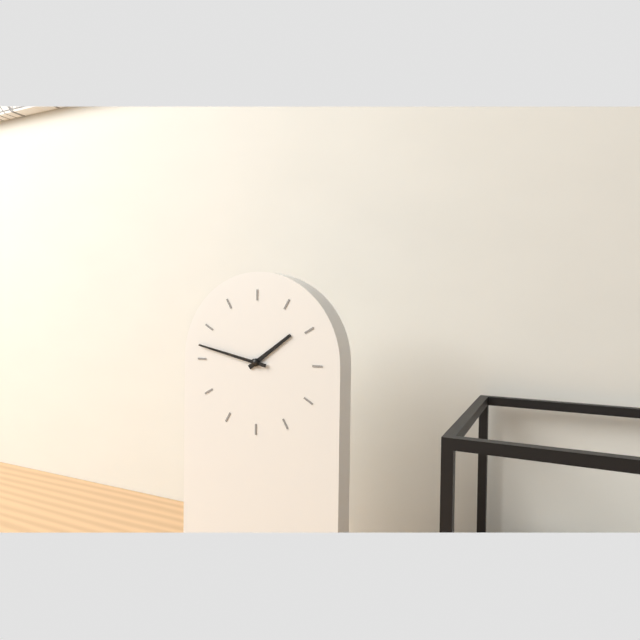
1:47
